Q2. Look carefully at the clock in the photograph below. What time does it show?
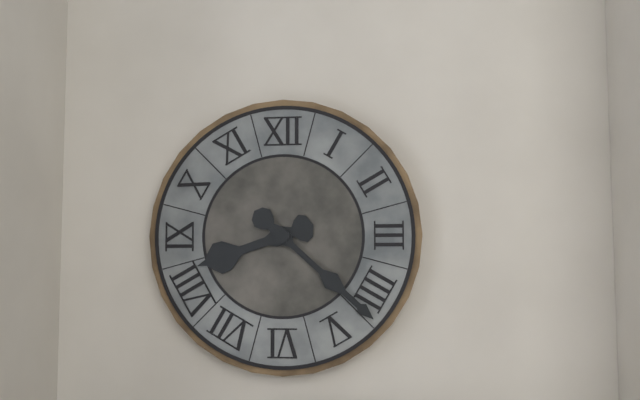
8:22
